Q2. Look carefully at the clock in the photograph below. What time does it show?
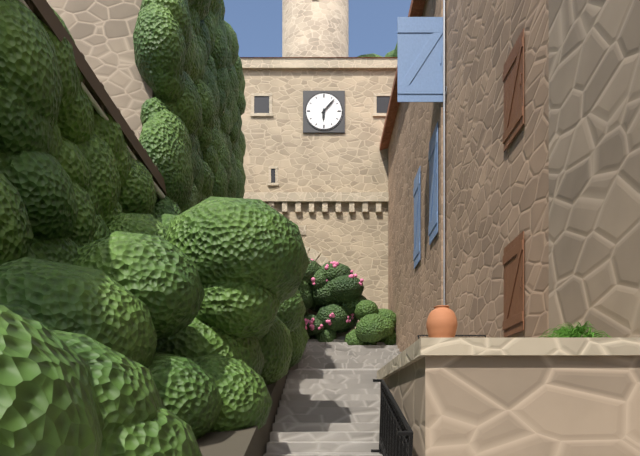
6:07
